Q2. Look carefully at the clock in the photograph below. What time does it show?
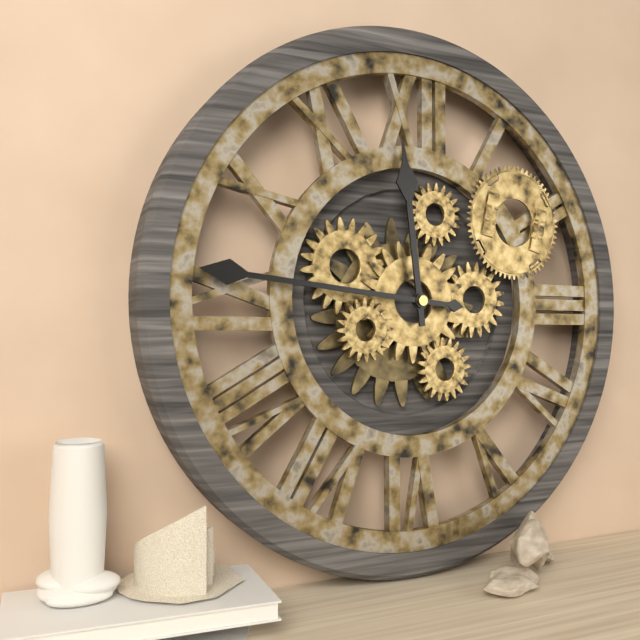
11:46
